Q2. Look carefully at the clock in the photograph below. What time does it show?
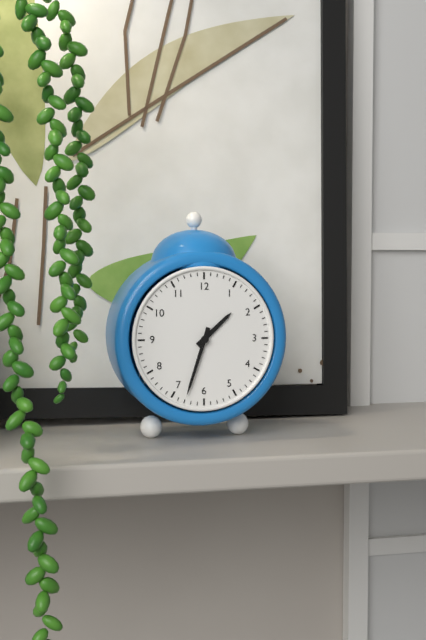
1:33
